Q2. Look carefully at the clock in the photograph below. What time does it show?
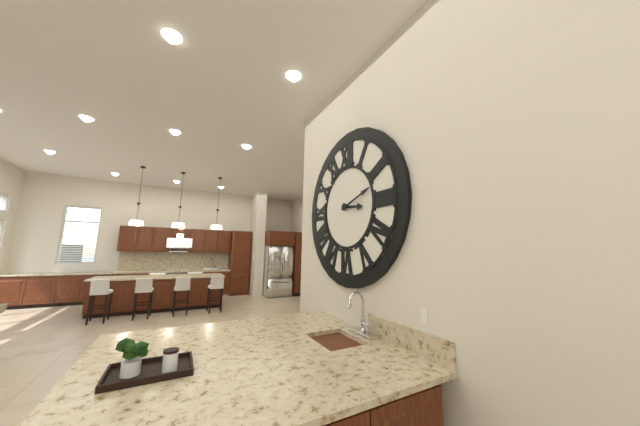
3:12
